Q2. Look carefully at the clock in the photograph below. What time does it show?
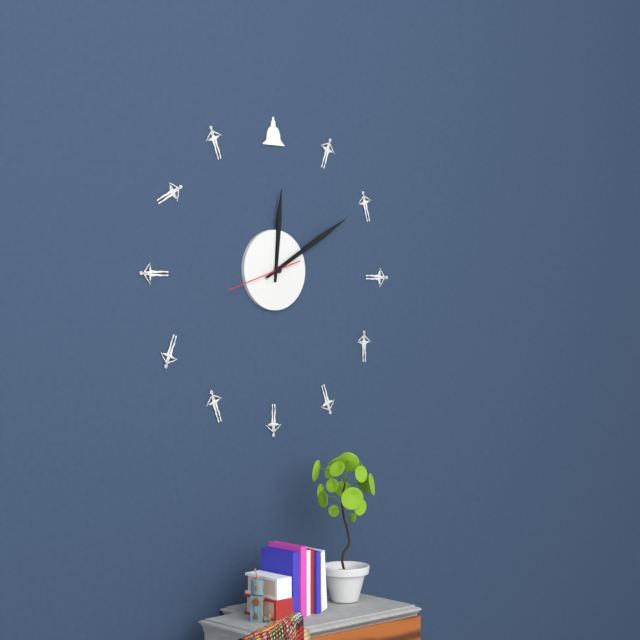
12:10:42
